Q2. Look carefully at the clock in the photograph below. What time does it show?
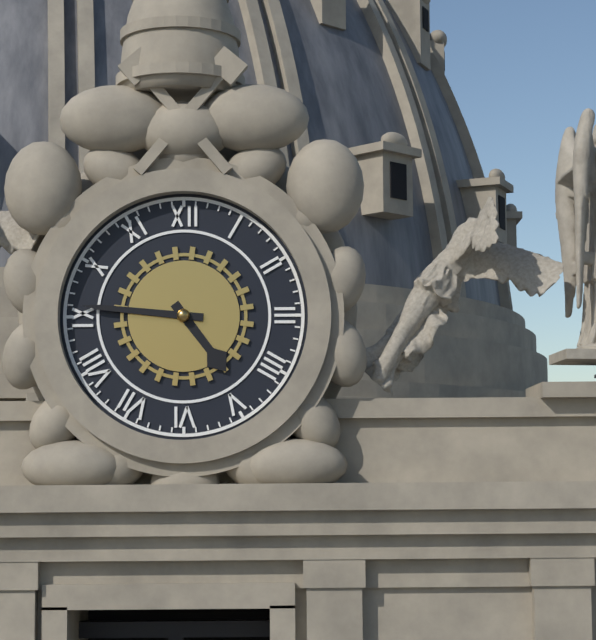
4:46
